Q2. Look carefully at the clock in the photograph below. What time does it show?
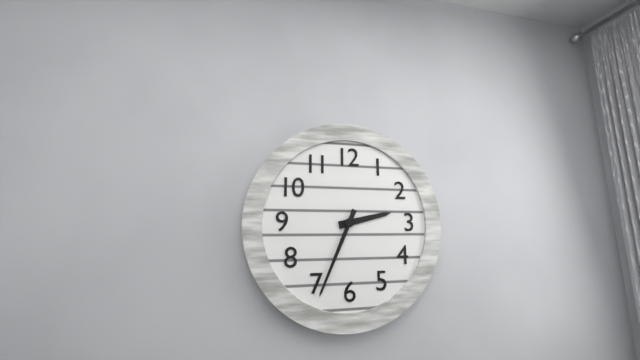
2:34
